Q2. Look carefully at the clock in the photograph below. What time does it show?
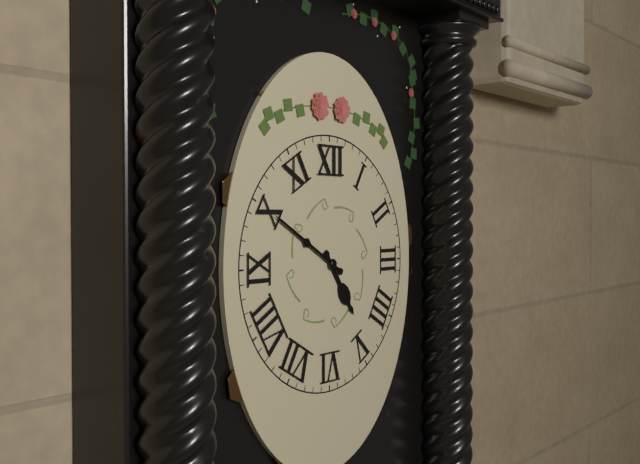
4:50
